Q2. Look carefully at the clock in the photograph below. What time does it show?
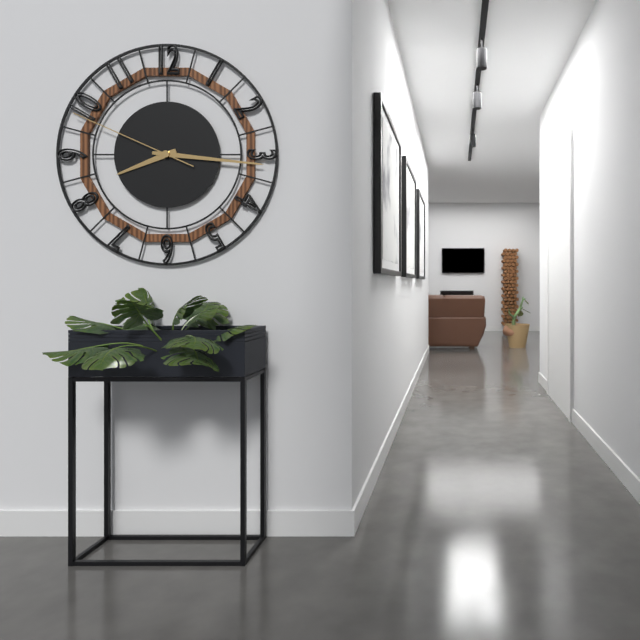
8:16:49
